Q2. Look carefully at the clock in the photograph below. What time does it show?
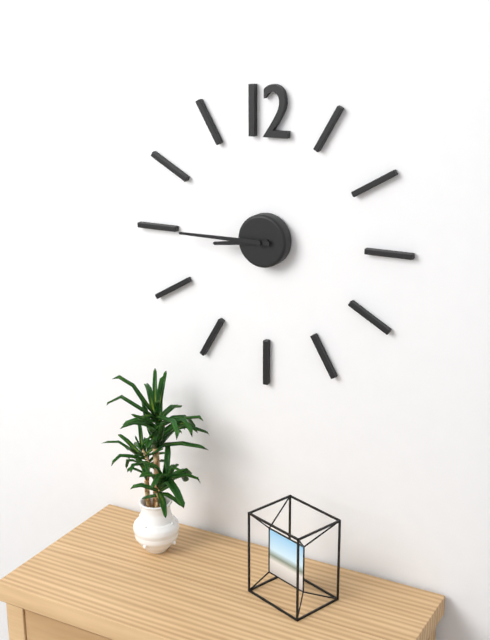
8:45
